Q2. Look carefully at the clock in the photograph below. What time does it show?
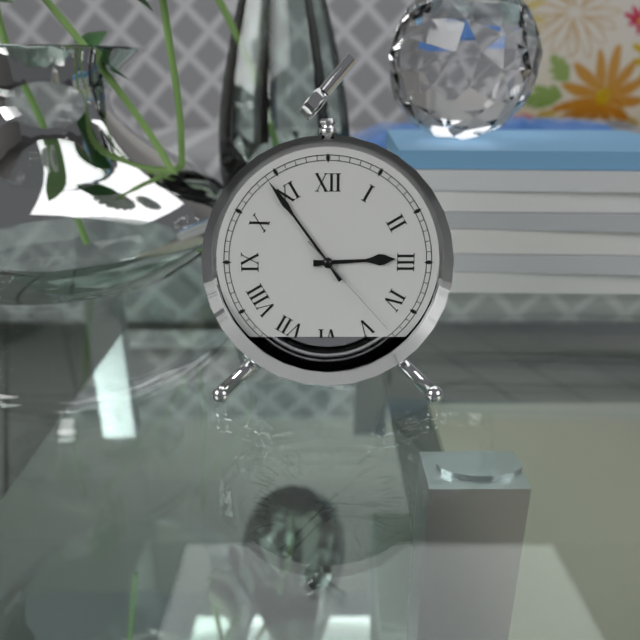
2:54:23
